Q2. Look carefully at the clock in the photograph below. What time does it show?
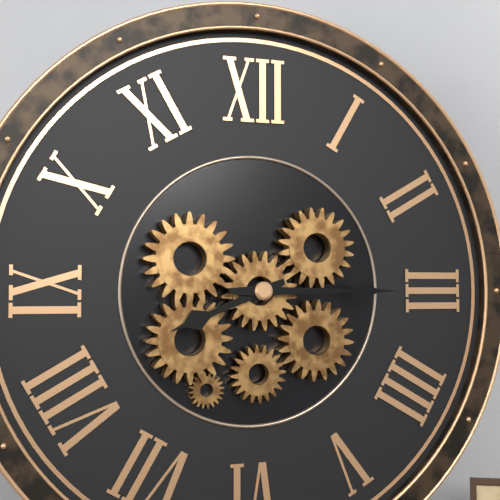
8:15
